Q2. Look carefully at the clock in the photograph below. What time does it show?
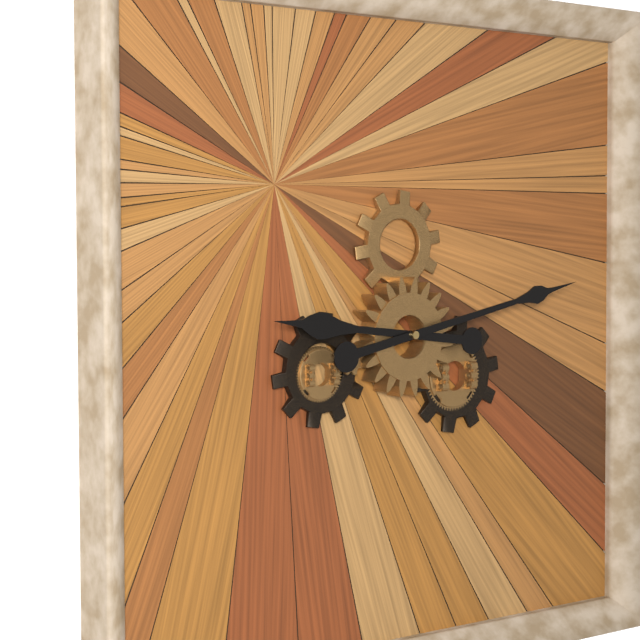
9:13
